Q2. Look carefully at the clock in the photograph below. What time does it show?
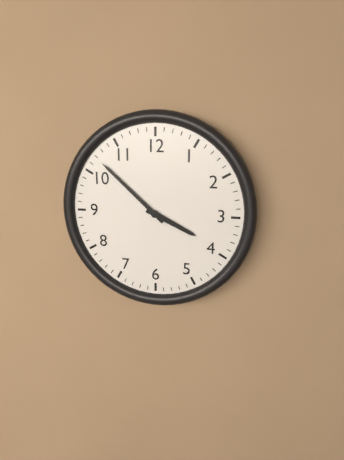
3:52
